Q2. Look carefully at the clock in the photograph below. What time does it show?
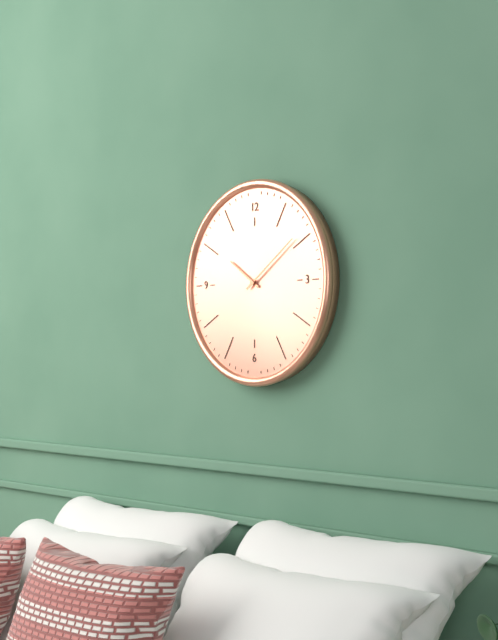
10:09
